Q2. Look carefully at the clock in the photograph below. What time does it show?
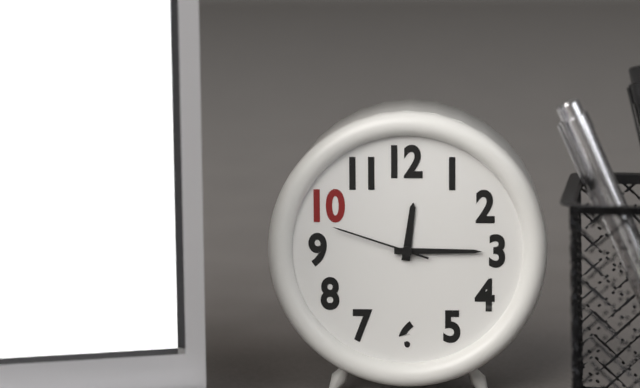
12:15:48
